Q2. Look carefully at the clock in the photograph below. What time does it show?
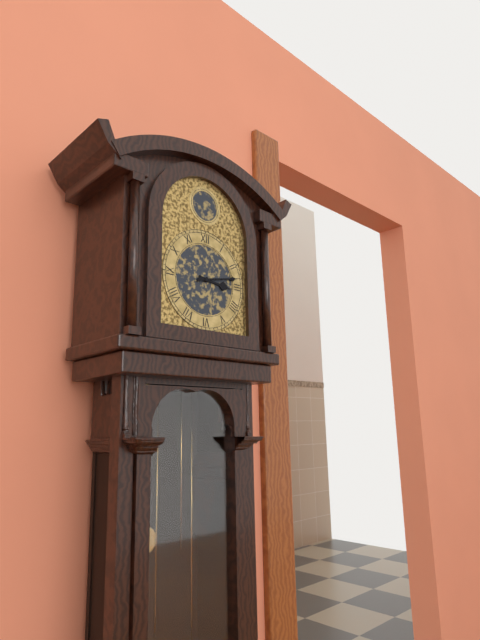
3:13
